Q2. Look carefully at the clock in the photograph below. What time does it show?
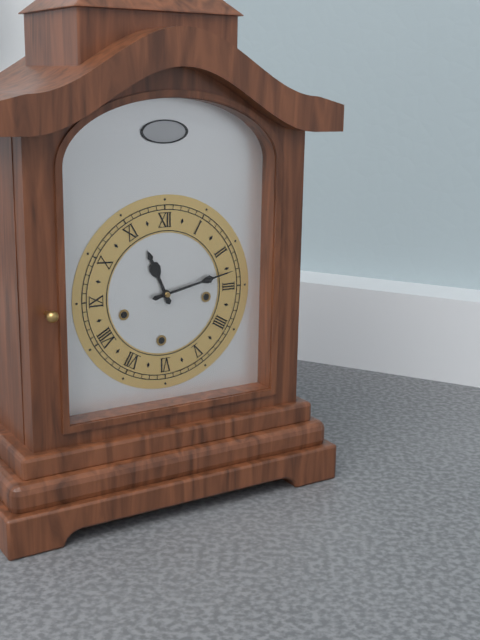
11:13
